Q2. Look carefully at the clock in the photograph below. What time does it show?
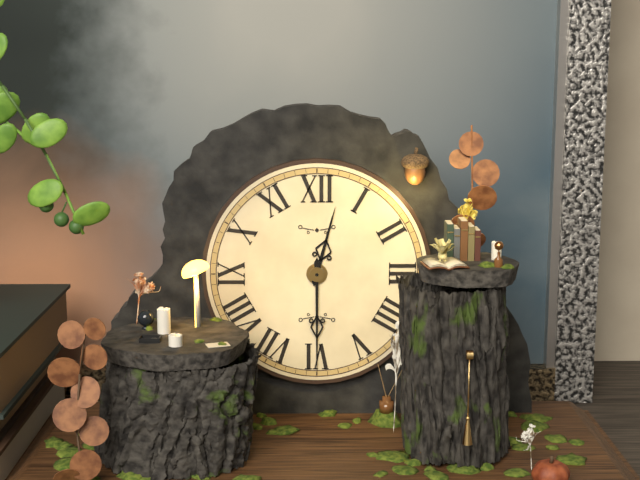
12:30
